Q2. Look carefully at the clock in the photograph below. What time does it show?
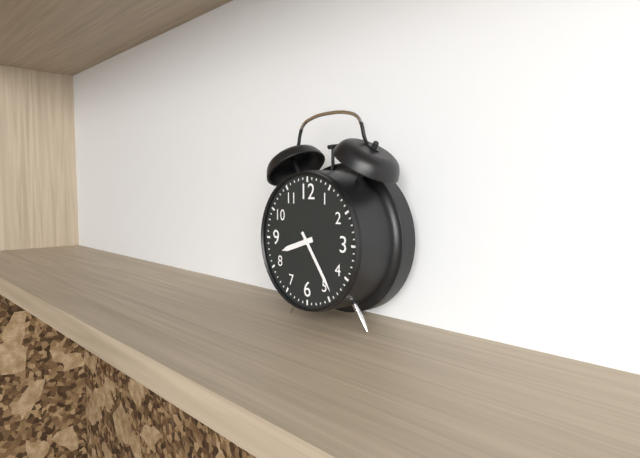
8:24
